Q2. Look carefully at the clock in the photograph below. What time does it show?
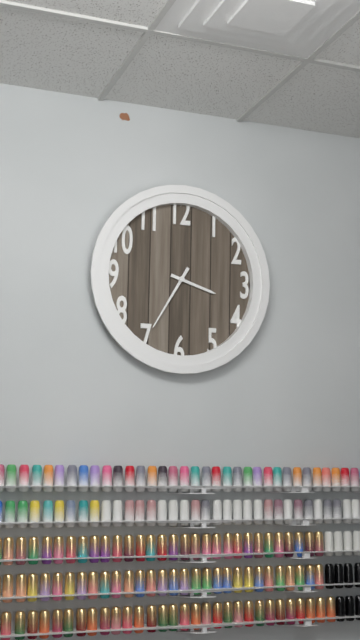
3:35
